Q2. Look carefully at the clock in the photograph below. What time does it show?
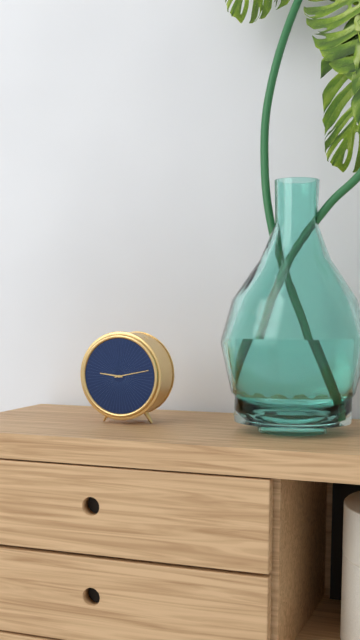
9:13
